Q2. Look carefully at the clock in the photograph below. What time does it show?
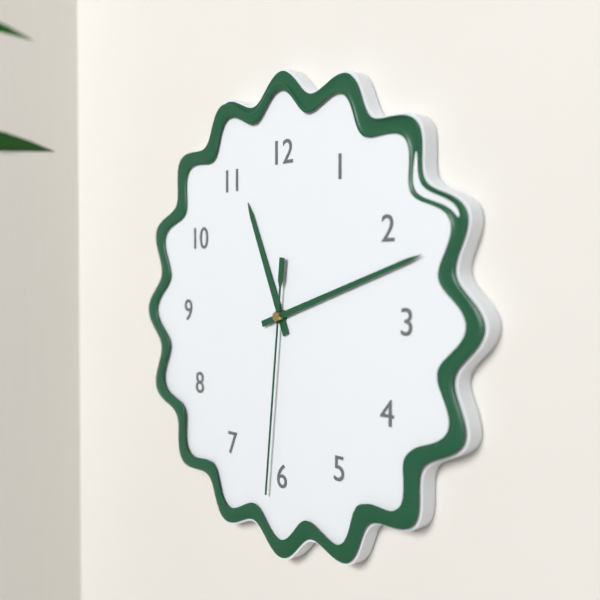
11:12:31
